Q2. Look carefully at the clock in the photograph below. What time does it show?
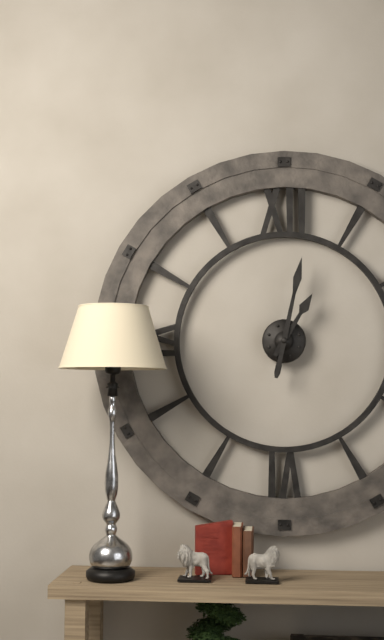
1:02
